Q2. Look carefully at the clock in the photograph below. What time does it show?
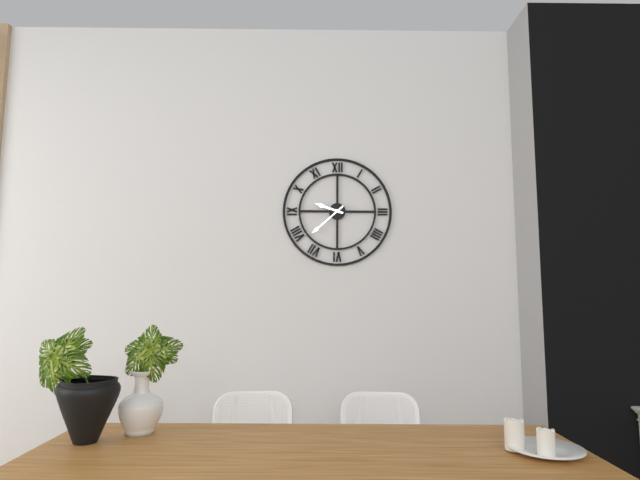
9:38
